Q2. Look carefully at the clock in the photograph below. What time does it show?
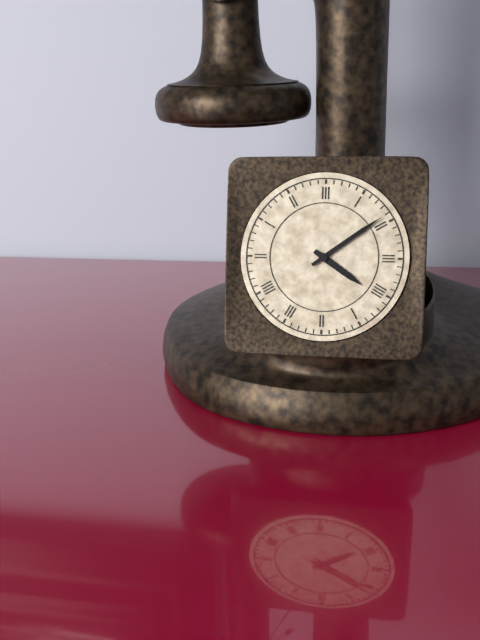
4:09
